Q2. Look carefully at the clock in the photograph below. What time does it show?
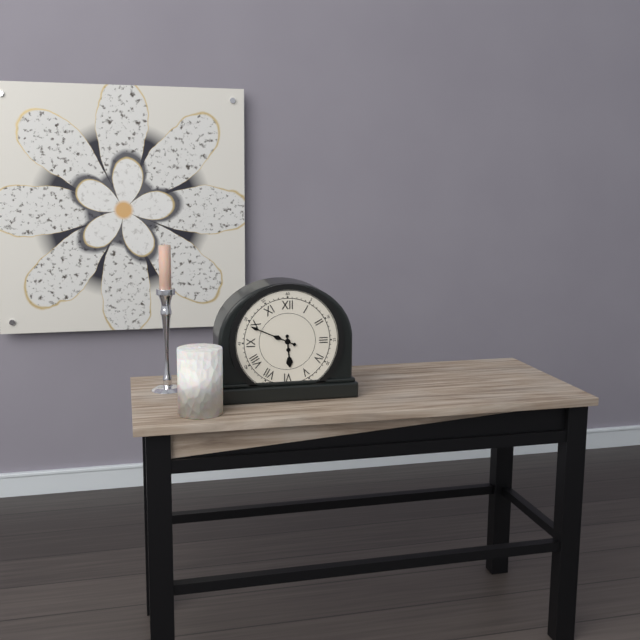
5:49
